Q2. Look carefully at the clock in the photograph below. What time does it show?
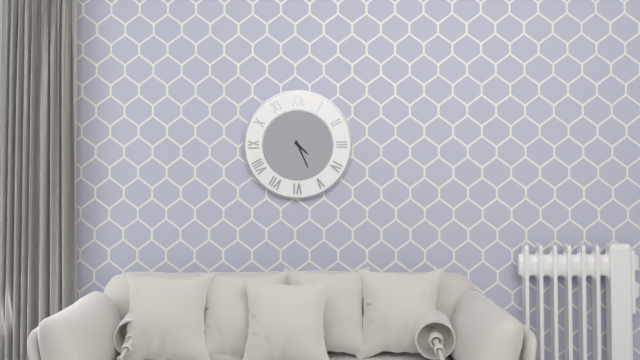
4:26
